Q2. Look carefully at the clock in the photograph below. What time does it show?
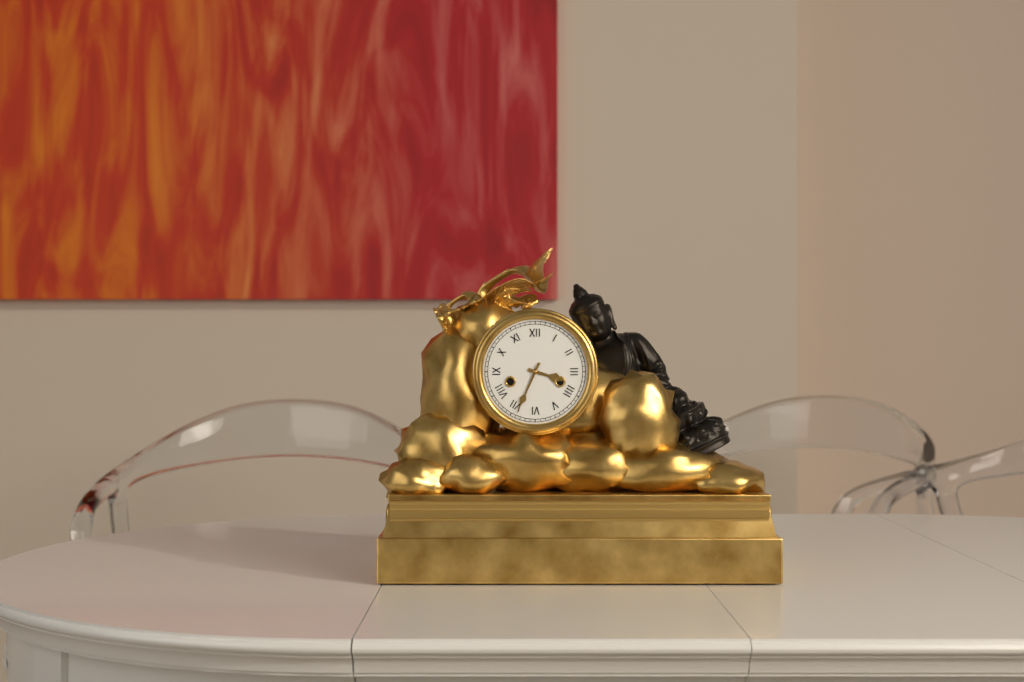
3:34
